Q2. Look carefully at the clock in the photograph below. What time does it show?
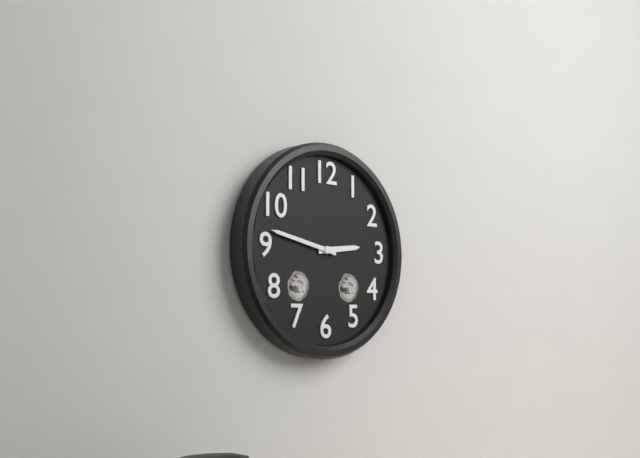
2:47
